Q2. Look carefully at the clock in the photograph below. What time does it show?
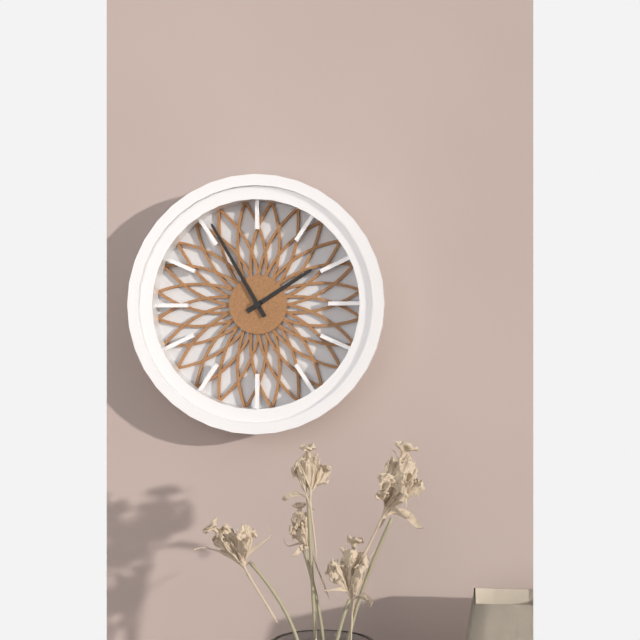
1:55
